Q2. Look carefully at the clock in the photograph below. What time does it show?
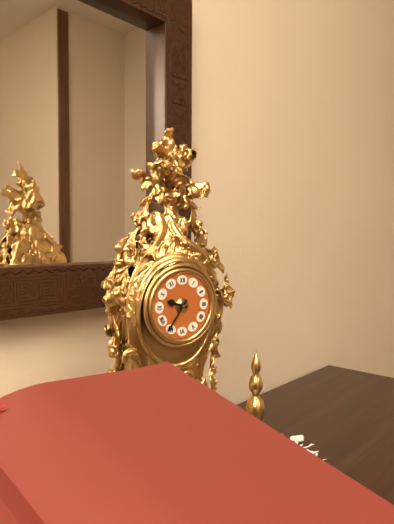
9:36
